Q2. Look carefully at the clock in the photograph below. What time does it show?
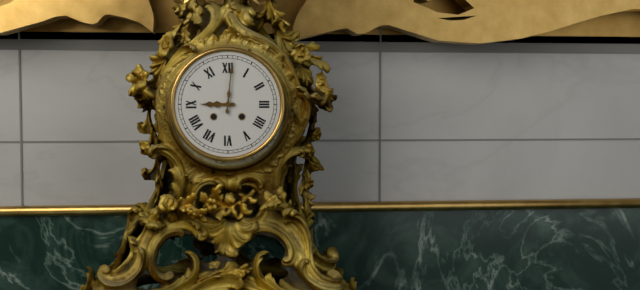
9:01
